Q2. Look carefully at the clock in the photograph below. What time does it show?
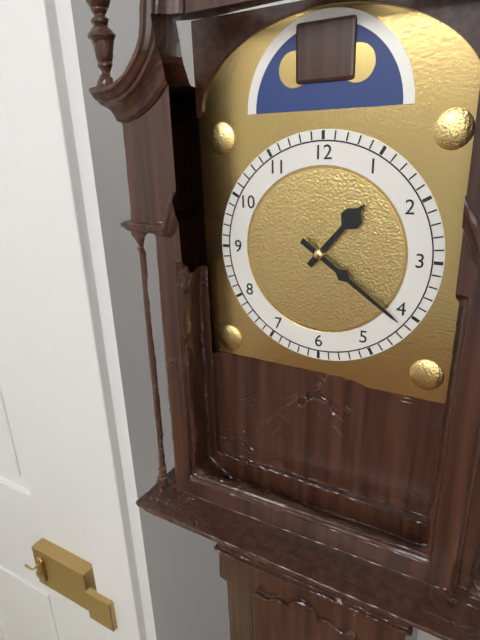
1:21
